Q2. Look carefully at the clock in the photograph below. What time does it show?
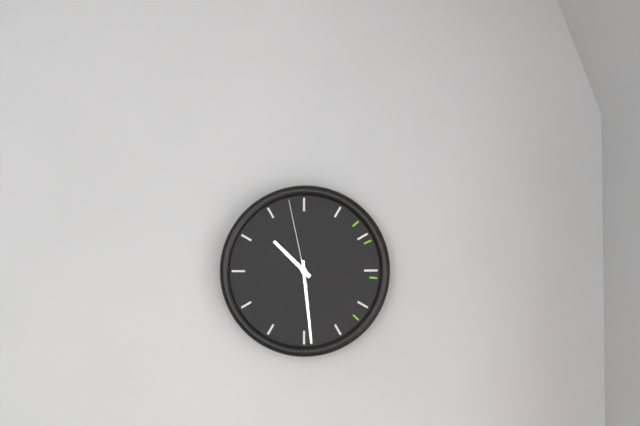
10:29:58
